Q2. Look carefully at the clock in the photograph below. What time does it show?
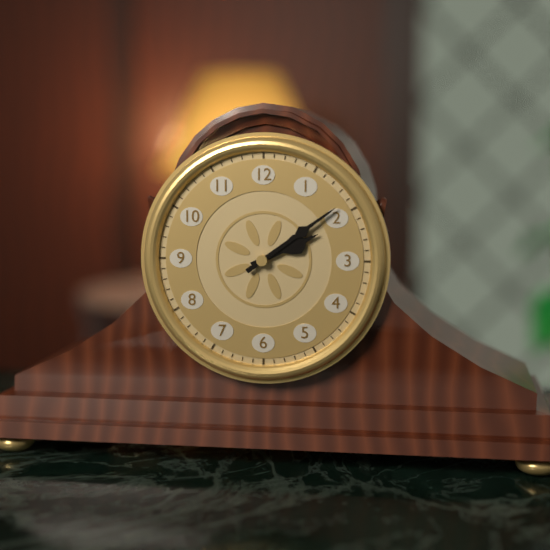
2:09
